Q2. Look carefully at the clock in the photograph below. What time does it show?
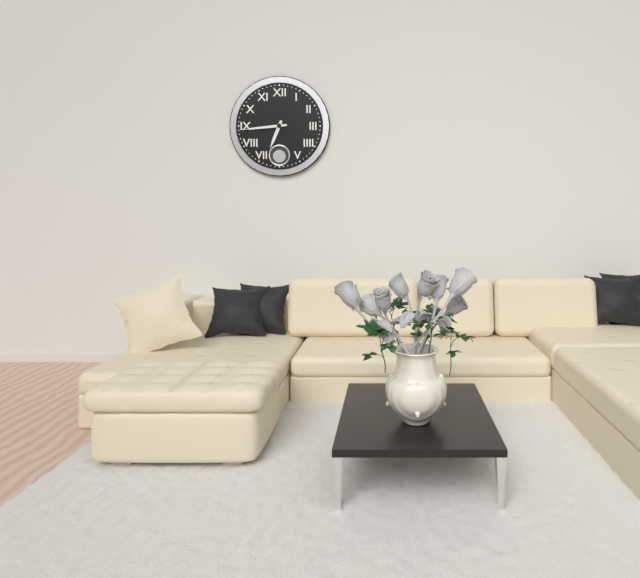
6:44
